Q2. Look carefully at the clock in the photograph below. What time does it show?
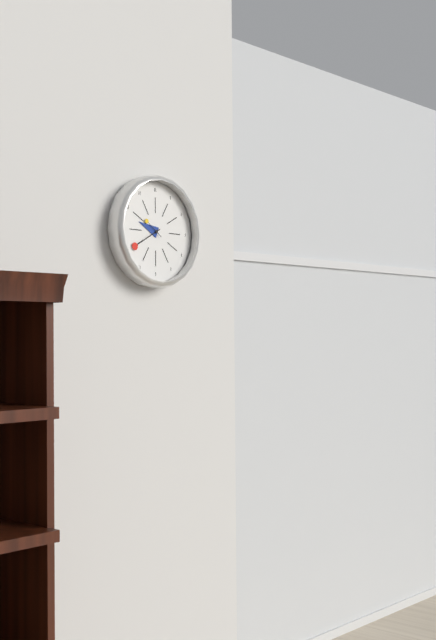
9:40
